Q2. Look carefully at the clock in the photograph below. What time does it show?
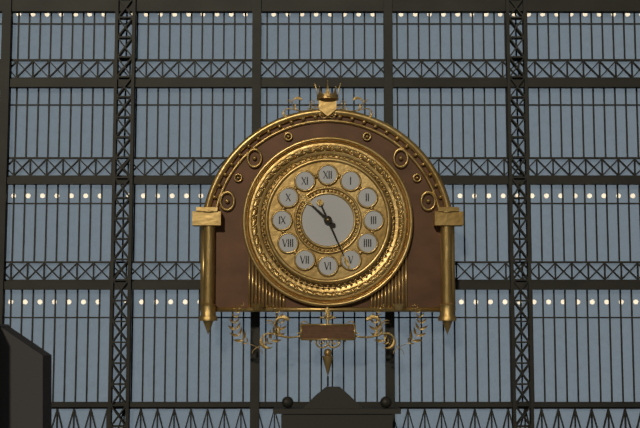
10:26
